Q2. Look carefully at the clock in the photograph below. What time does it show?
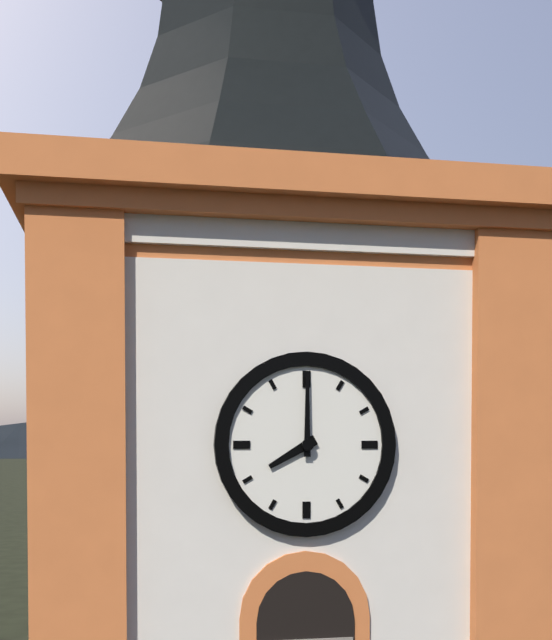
8:00
